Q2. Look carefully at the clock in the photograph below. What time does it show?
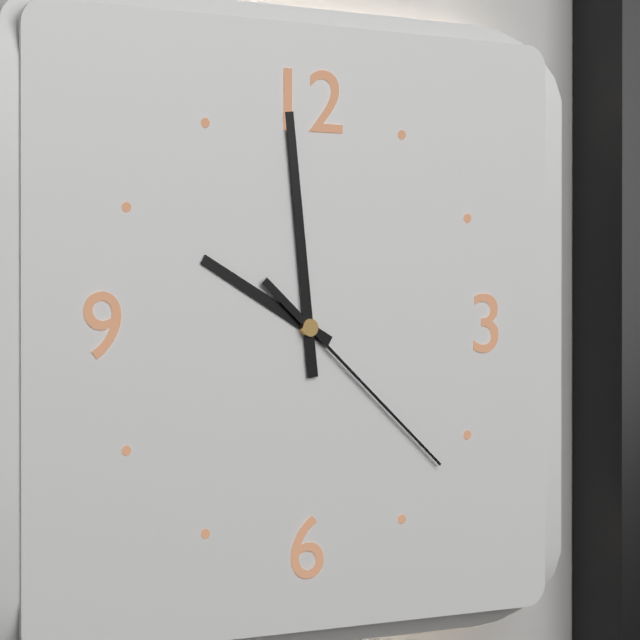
9:59:22
